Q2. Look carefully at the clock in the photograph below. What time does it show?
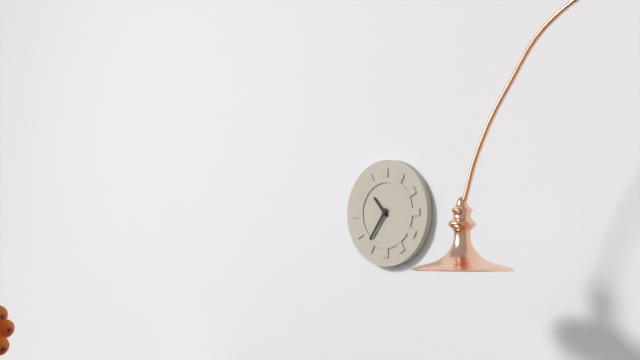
10:36
